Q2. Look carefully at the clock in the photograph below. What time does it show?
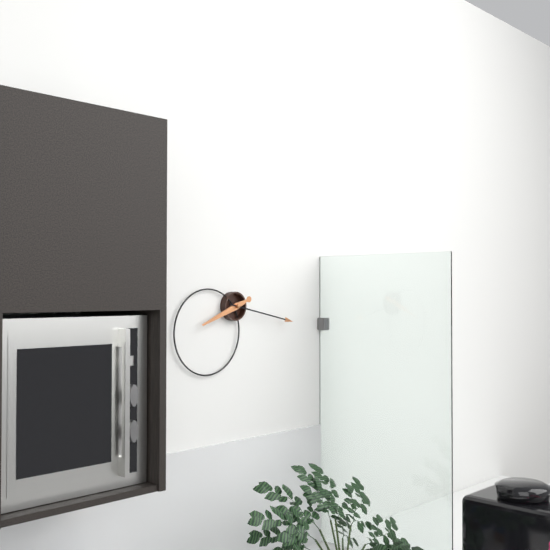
8:17
